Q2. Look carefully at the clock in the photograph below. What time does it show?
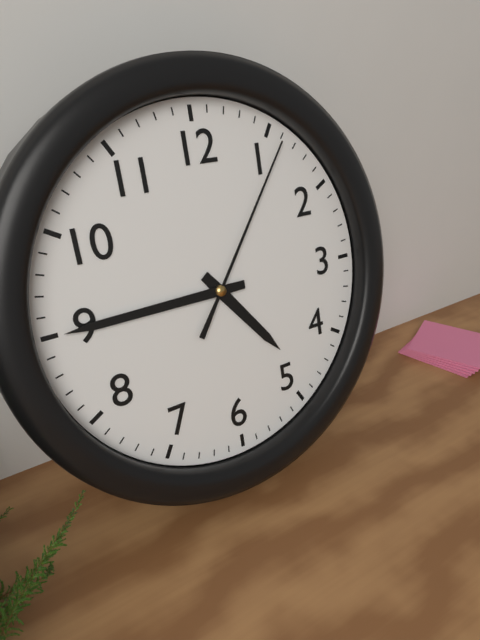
4:45:06
